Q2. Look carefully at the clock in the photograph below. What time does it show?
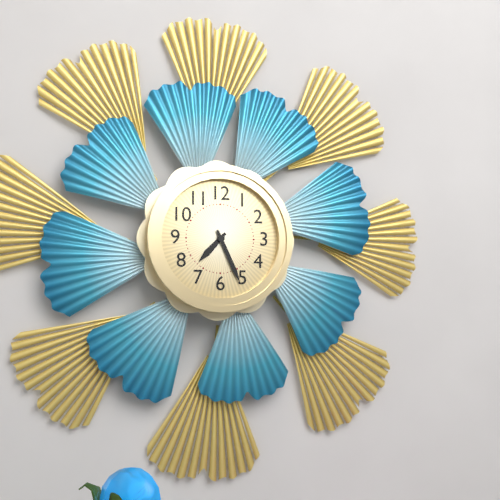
7:26
